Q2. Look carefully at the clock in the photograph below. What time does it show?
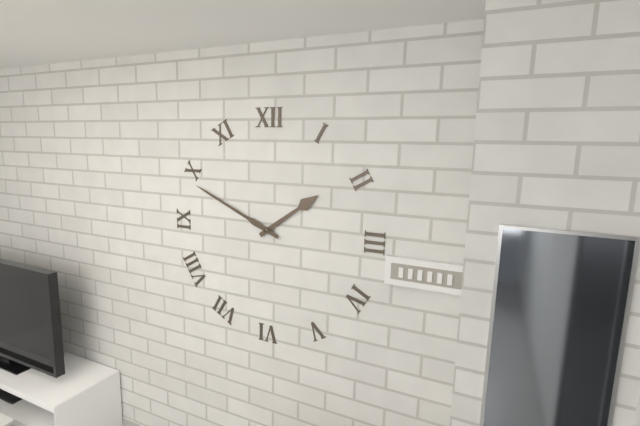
1:49
